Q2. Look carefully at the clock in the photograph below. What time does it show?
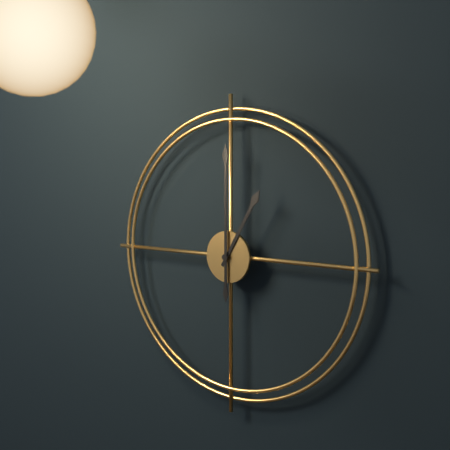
1:00
